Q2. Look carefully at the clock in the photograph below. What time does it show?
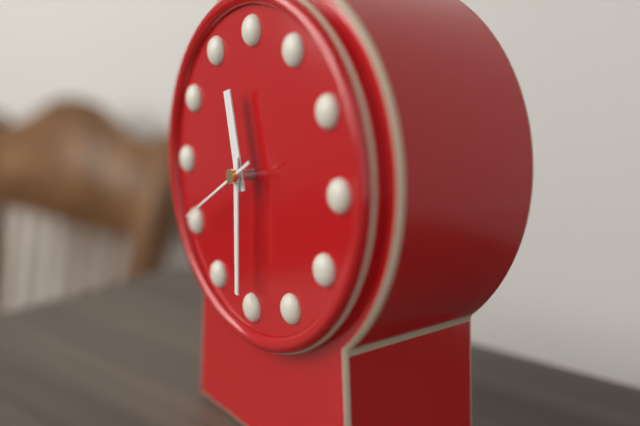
11:30:40
